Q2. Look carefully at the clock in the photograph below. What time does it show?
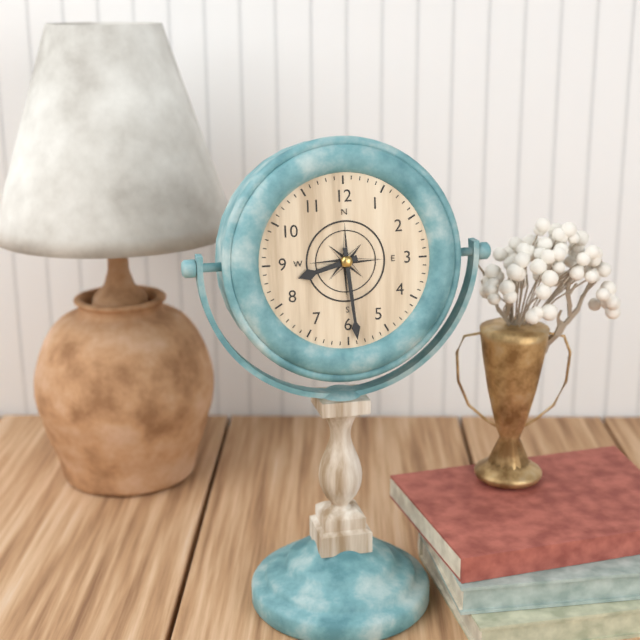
8:29
